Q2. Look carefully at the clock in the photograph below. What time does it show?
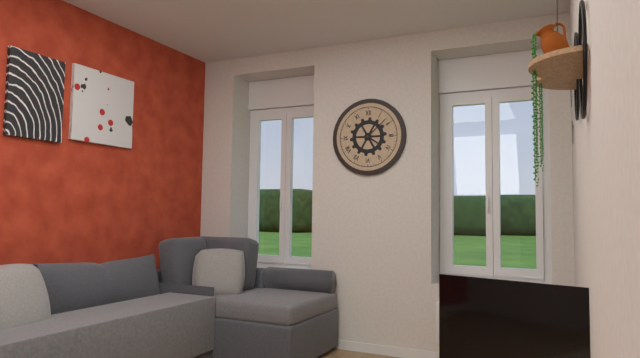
4:08
